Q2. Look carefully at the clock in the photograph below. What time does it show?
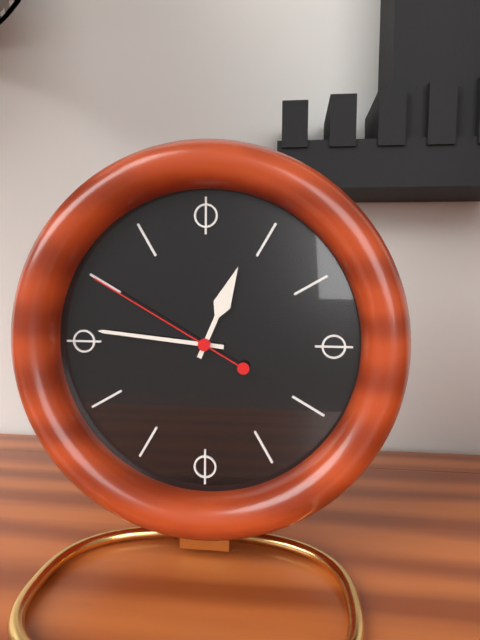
12:46:50
